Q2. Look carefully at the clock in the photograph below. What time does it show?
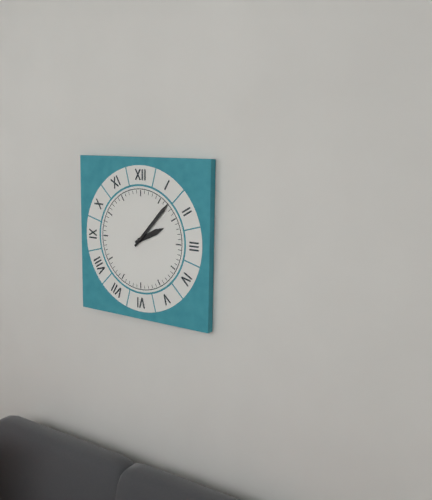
2:07
